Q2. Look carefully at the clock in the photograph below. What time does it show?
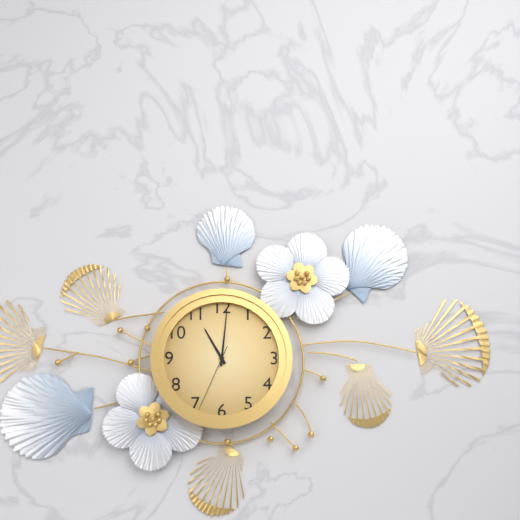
11:01:34
